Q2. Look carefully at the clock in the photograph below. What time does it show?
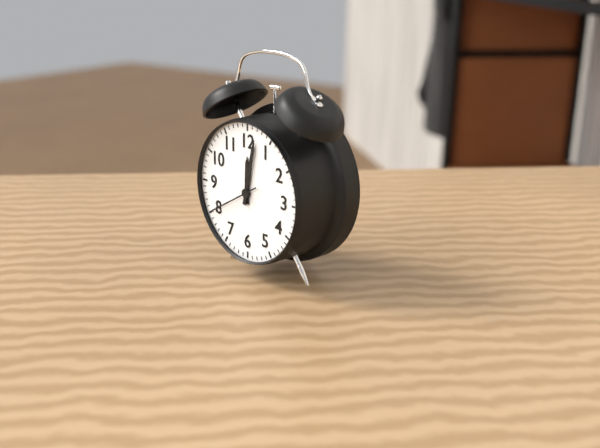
12:02
